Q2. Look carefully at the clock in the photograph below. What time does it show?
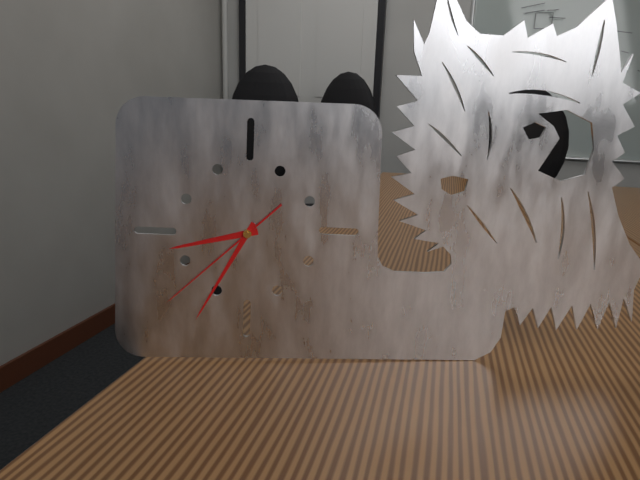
8:35:38
